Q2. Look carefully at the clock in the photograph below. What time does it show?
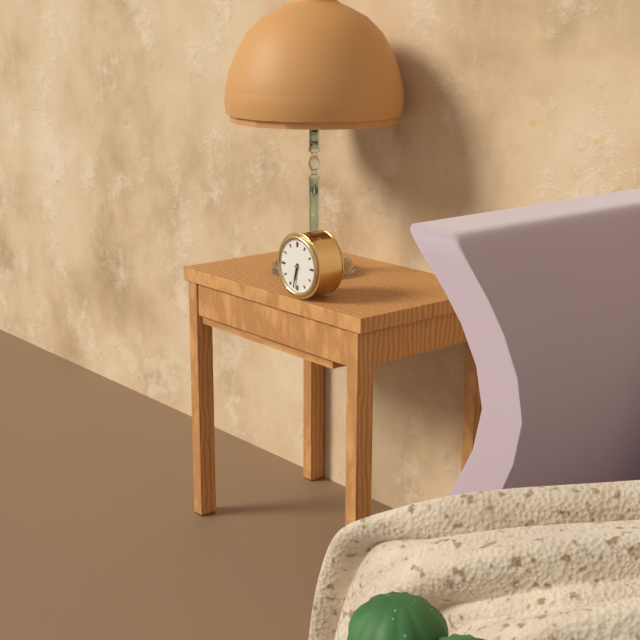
6:32
